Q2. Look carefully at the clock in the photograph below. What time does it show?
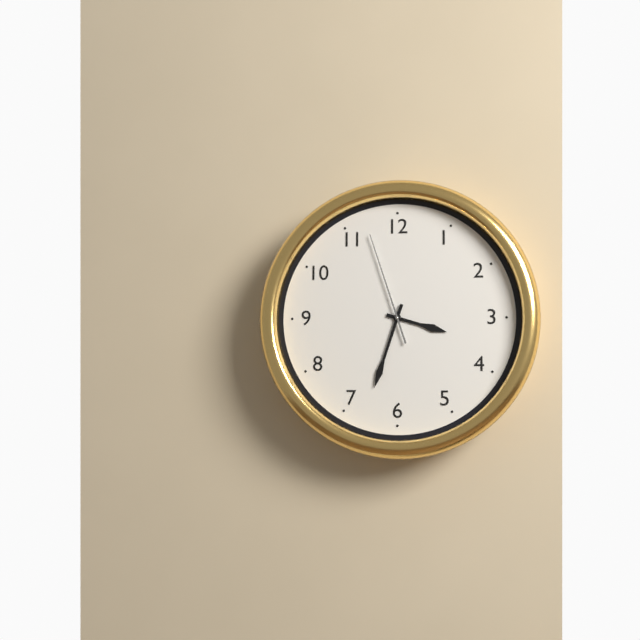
3:33:57
